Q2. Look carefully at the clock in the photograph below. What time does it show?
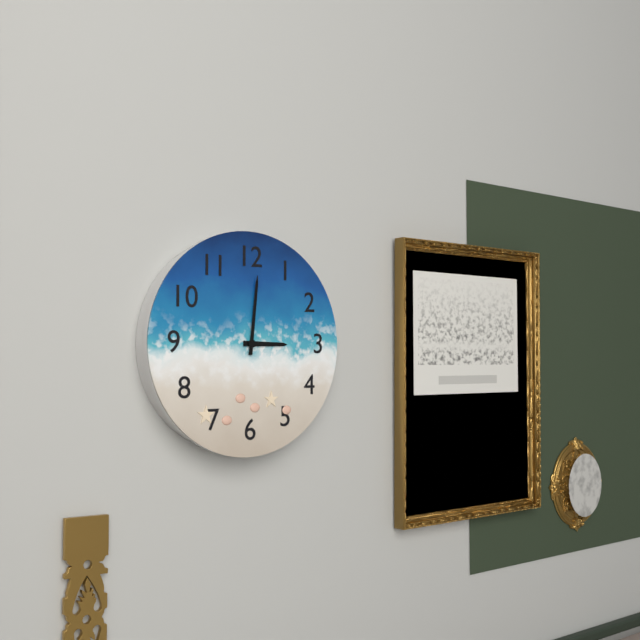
3:01
